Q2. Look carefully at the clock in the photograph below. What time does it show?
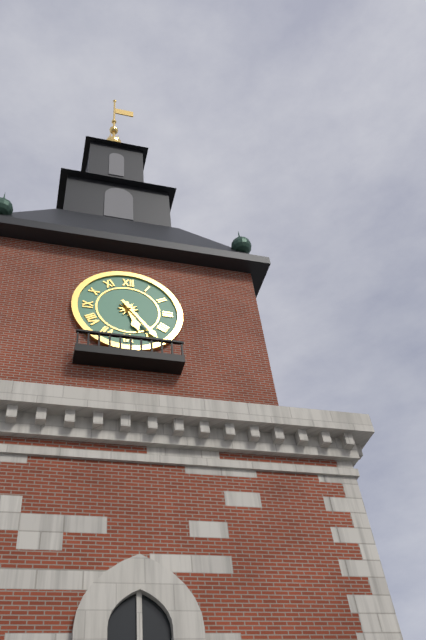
5:24
